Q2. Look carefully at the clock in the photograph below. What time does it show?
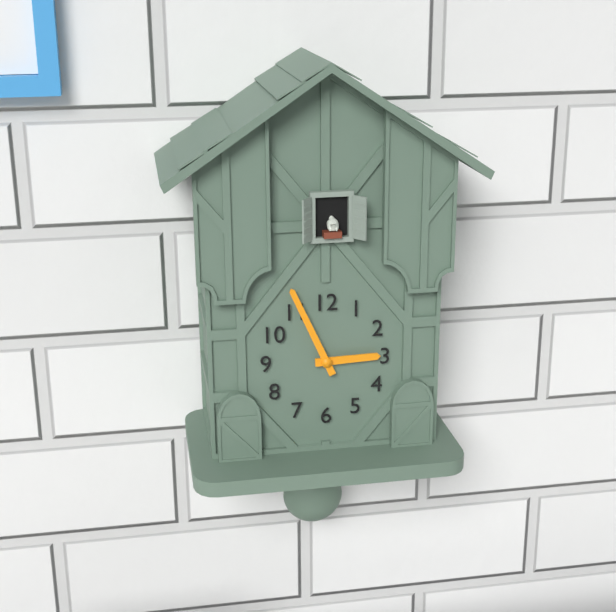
2:56
